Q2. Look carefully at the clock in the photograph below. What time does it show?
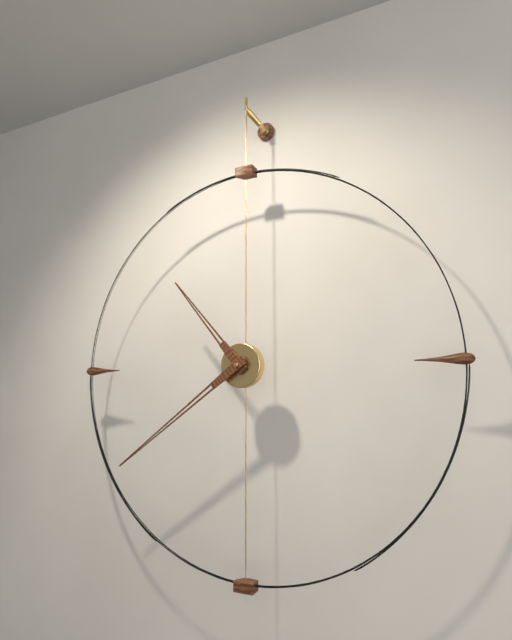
10:39
